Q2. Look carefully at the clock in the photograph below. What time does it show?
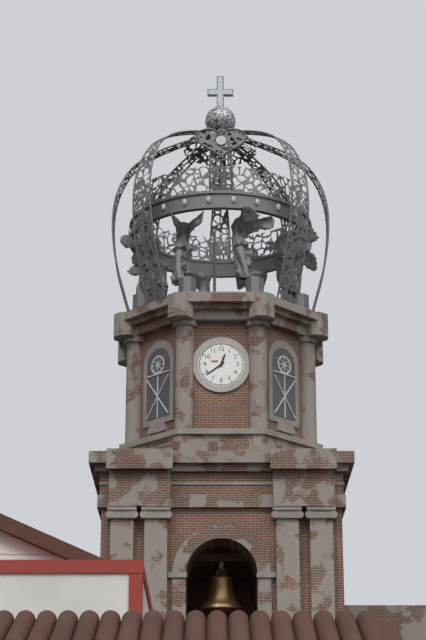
12:39
